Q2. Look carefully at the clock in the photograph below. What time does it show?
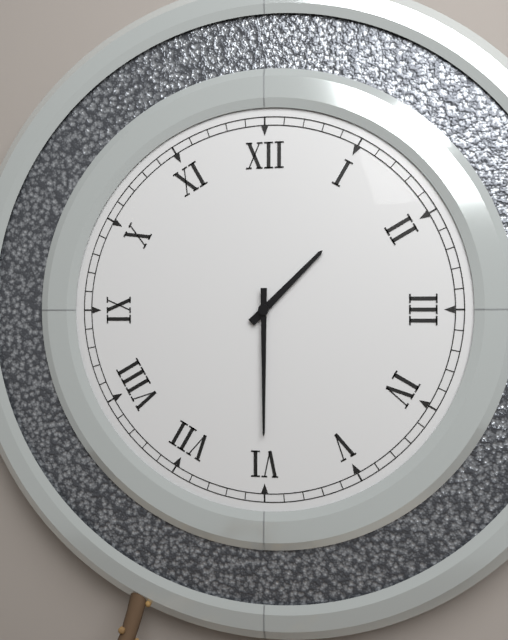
1:30
